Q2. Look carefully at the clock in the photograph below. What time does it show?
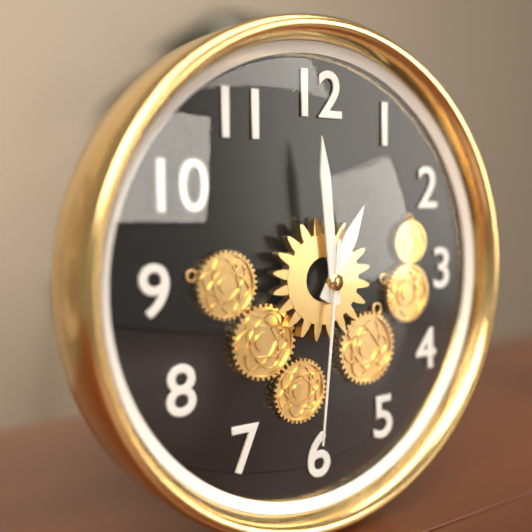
12:59:31
